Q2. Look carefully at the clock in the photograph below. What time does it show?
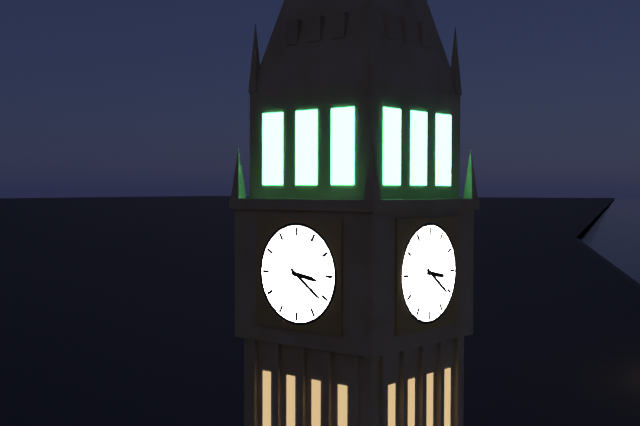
3:21
